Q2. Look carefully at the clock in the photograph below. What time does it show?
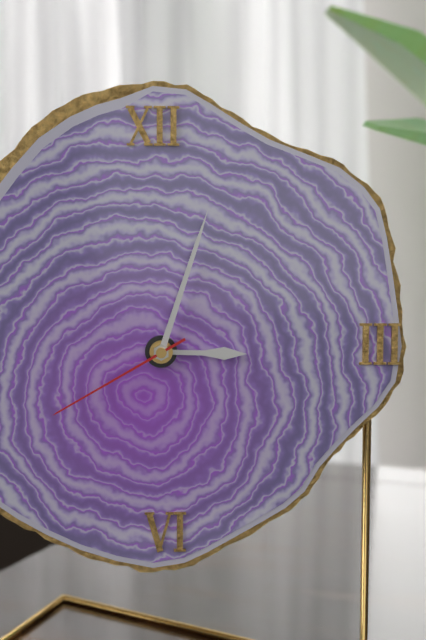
3:03:40
